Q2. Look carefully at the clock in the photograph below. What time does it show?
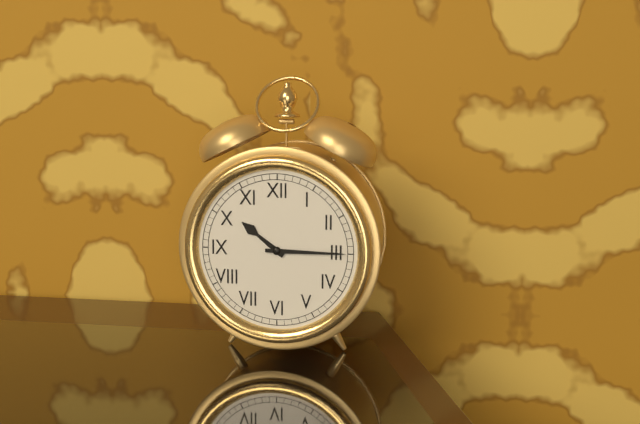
10:15
